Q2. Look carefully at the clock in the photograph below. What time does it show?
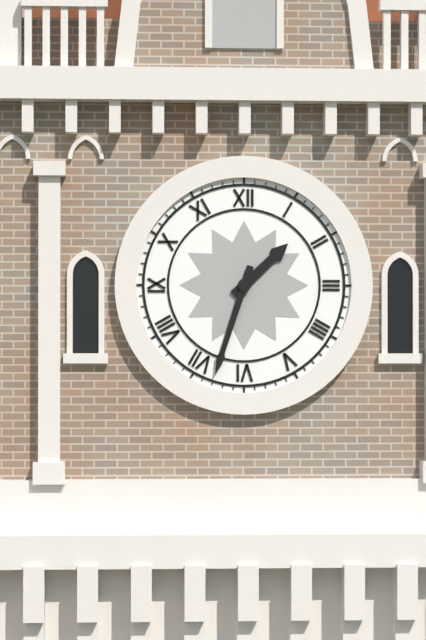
1:33
